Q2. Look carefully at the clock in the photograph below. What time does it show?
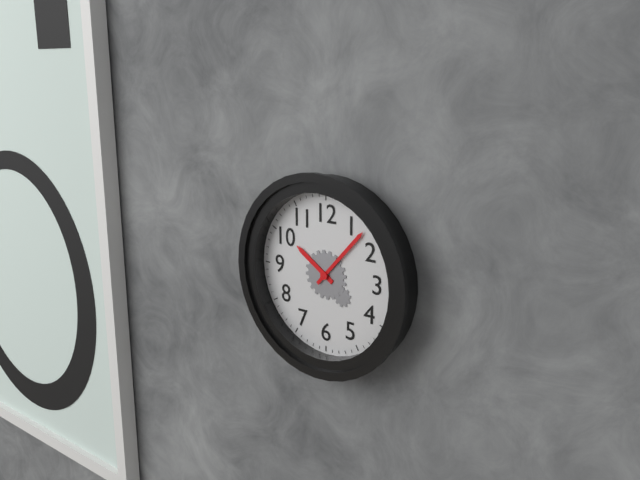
10:07
